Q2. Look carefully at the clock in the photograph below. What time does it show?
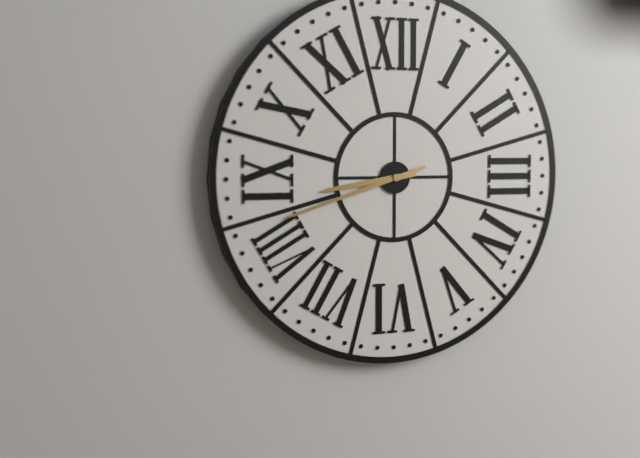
8:42
